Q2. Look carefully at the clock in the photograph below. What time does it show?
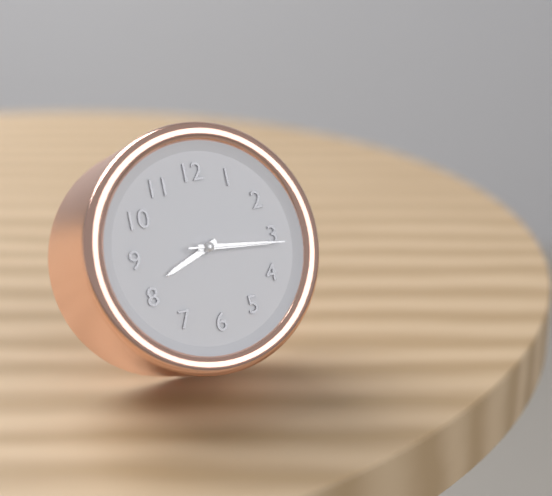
8:16:16
